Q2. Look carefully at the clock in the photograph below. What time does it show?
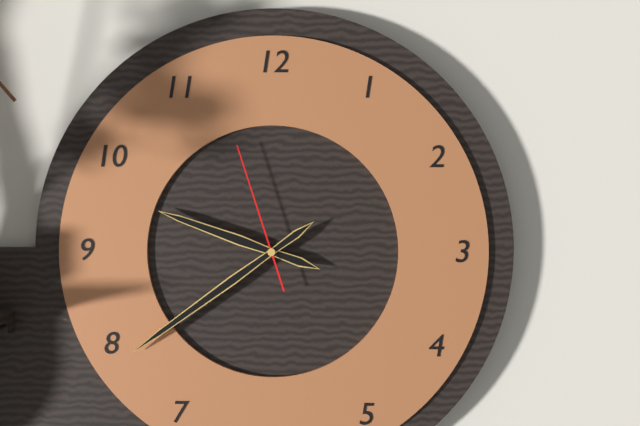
9:39:57
